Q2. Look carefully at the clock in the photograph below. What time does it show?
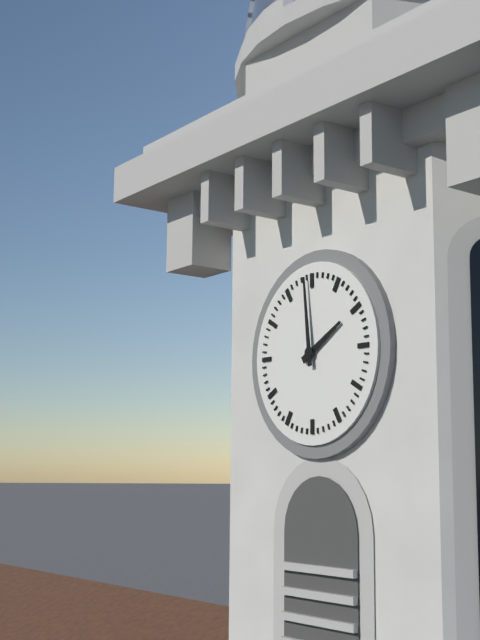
1:59
